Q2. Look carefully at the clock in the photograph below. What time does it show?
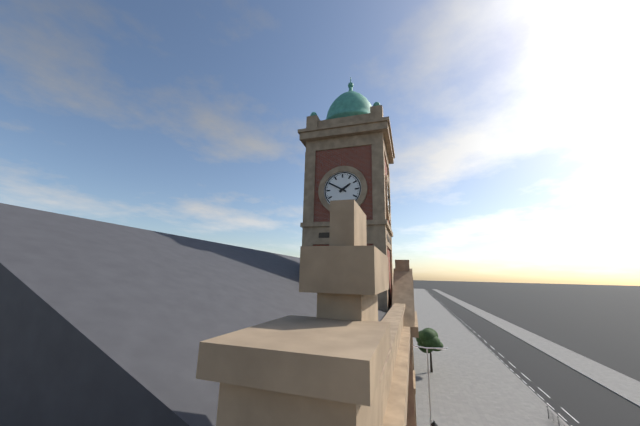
1:50
